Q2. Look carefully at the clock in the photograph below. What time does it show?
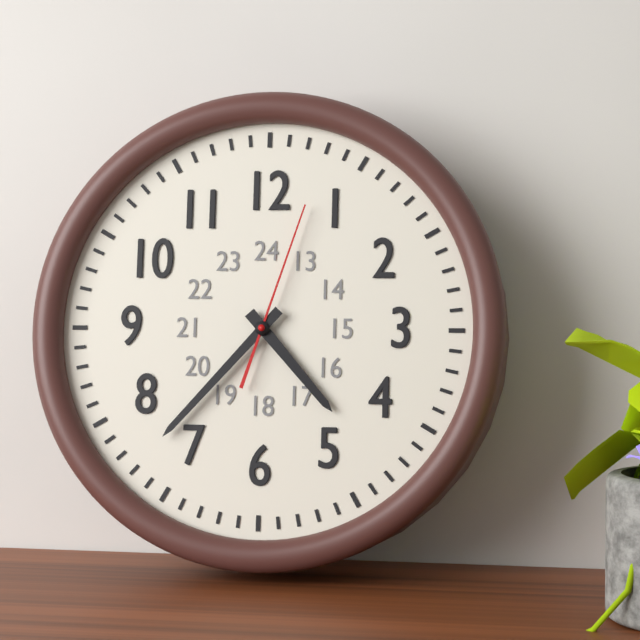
4:37:03
